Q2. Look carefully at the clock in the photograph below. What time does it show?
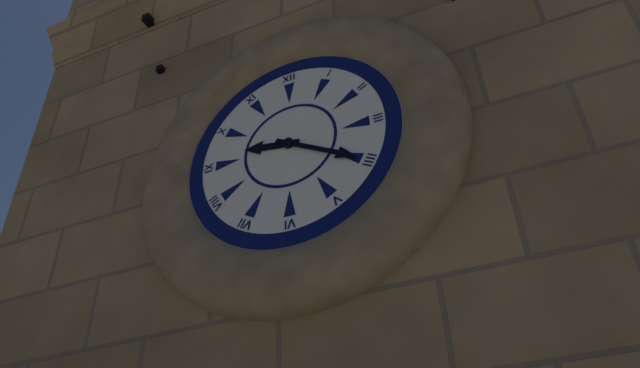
9:20
